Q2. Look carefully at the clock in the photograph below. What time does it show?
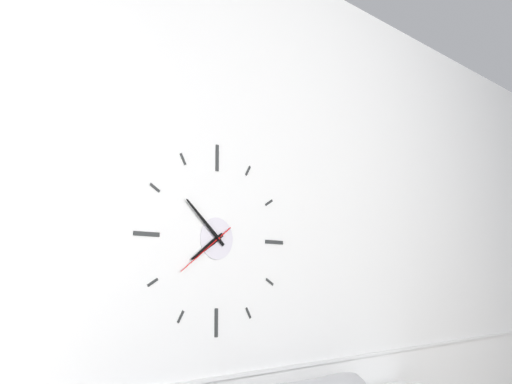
7:52:39
